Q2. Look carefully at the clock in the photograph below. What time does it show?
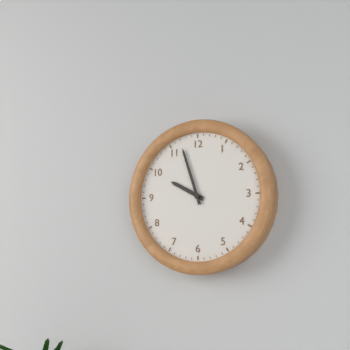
9:57
